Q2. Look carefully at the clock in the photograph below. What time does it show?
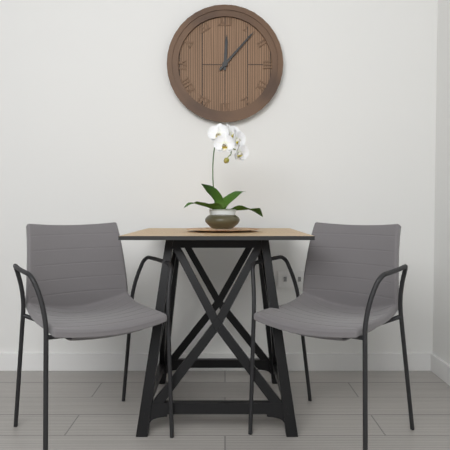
12:07
